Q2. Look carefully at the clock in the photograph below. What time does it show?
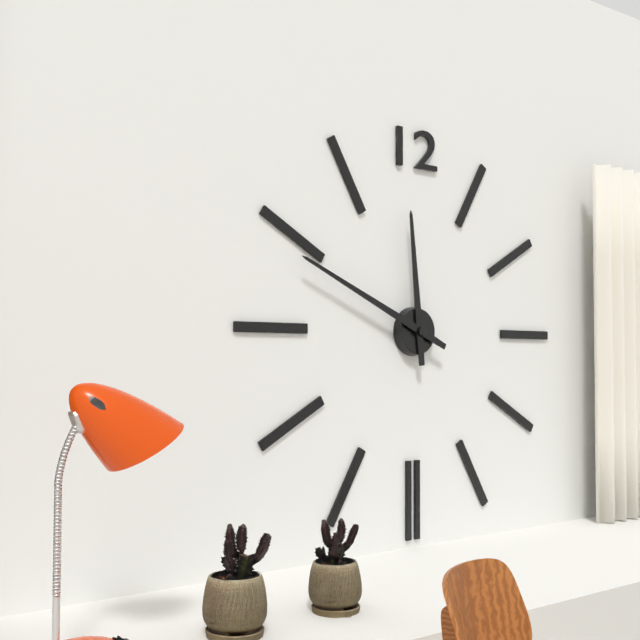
11:49
